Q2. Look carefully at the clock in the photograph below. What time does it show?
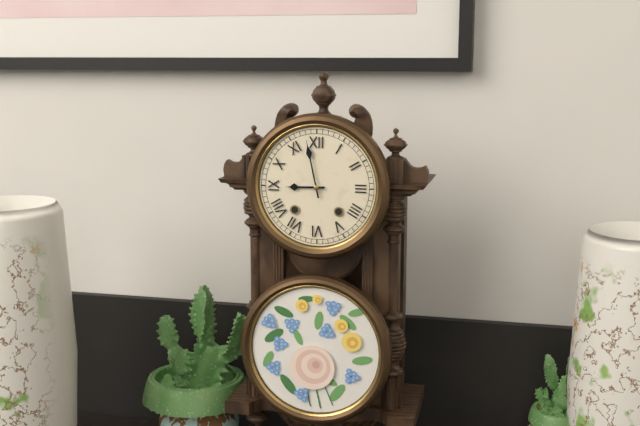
8:58
